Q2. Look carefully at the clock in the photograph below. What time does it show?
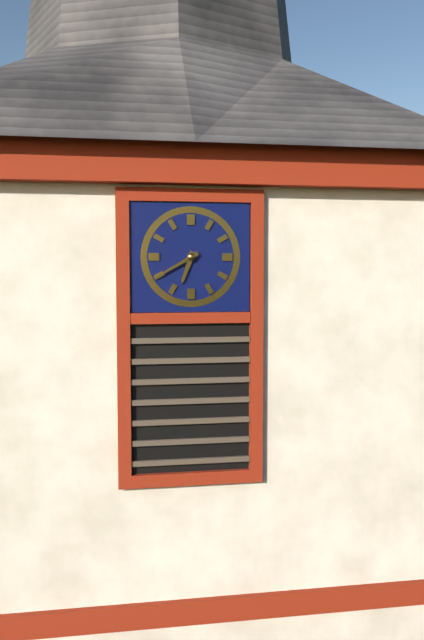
6:40
